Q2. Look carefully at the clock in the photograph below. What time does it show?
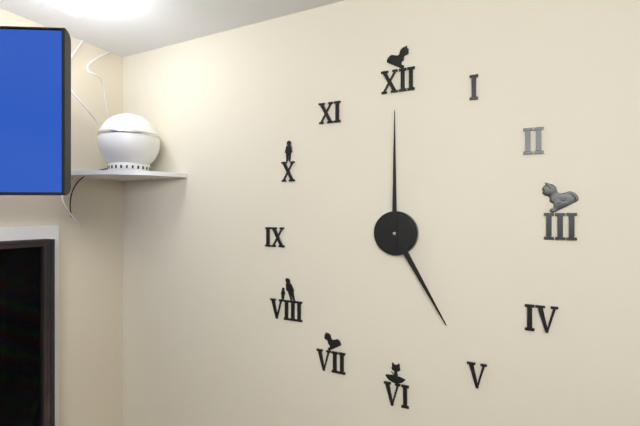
5:00
